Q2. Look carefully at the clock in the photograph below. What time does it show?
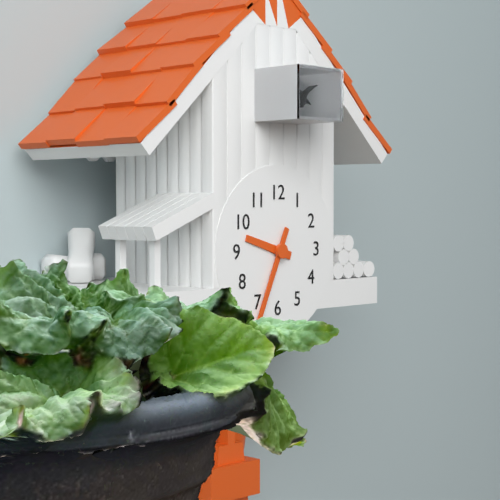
9:34
